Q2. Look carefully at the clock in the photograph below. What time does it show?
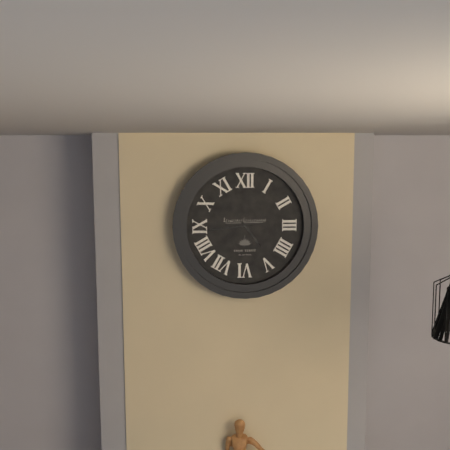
4:44
